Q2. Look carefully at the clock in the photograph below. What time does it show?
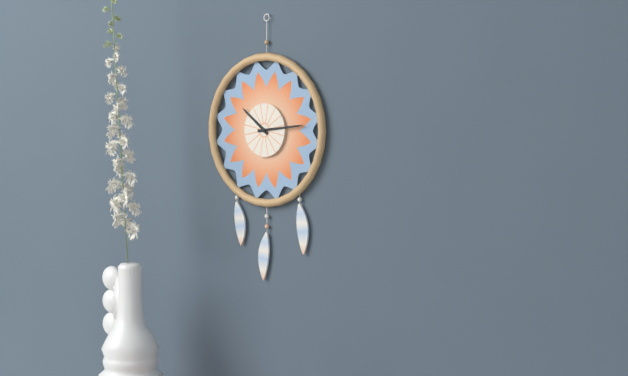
10:14
